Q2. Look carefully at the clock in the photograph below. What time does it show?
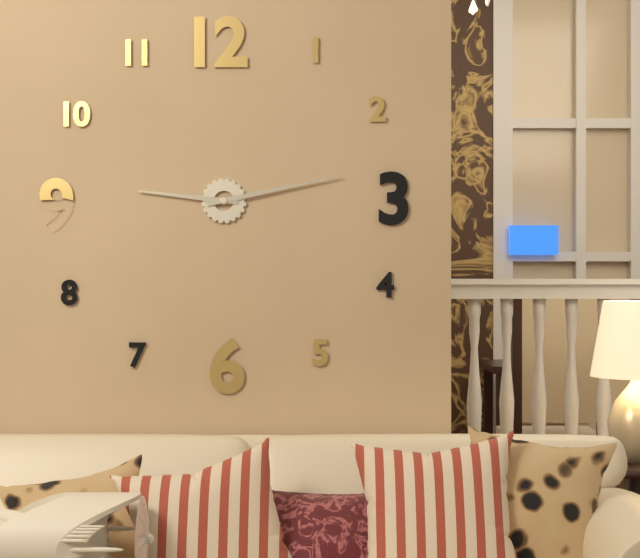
9:13
